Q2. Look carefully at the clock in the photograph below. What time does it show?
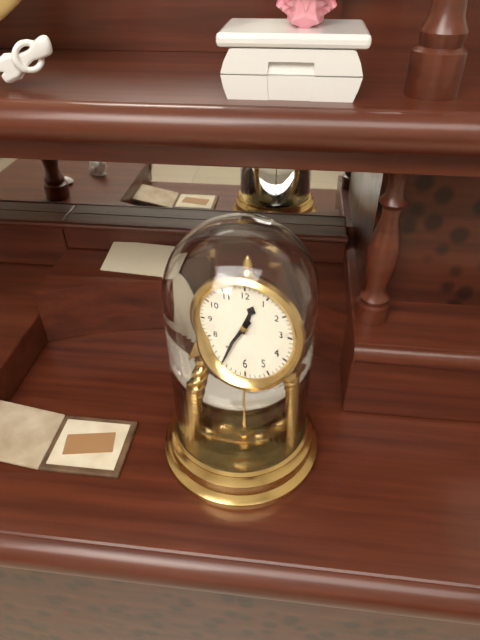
12:35
